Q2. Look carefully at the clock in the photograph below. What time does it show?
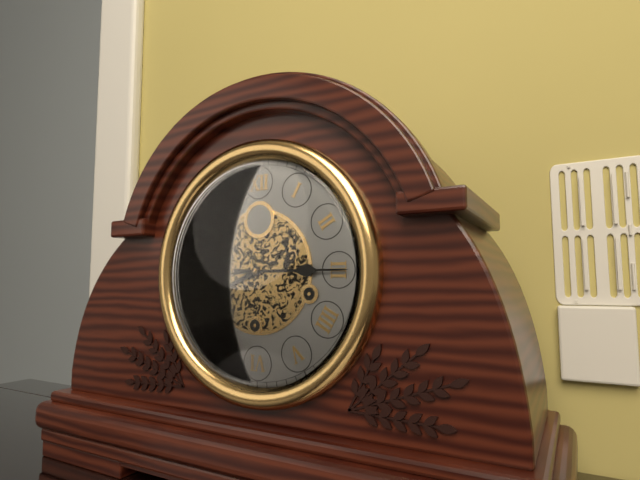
8:15
